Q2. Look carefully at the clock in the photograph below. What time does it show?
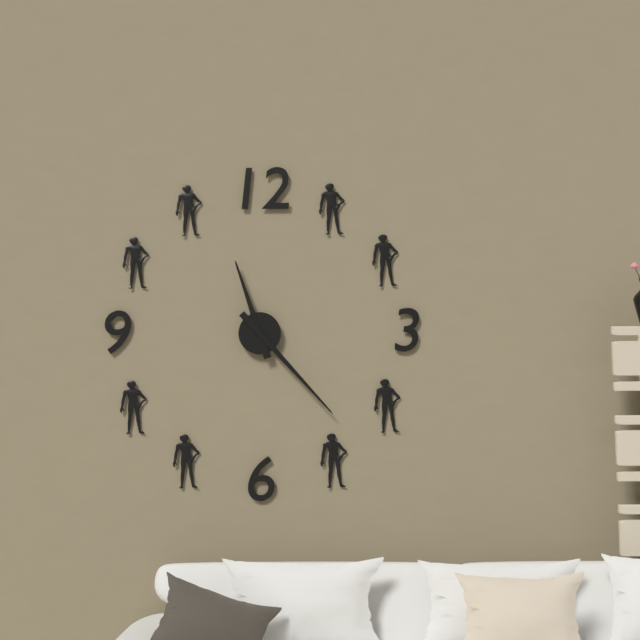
11:23
